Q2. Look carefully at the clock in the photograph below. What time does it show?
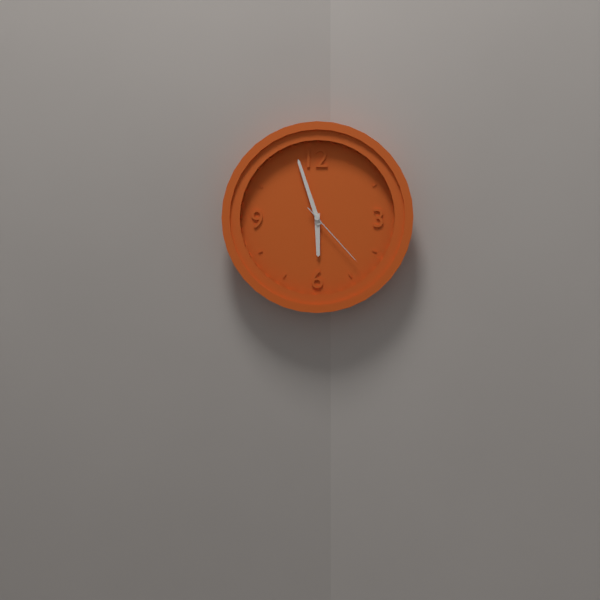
5:57:23
